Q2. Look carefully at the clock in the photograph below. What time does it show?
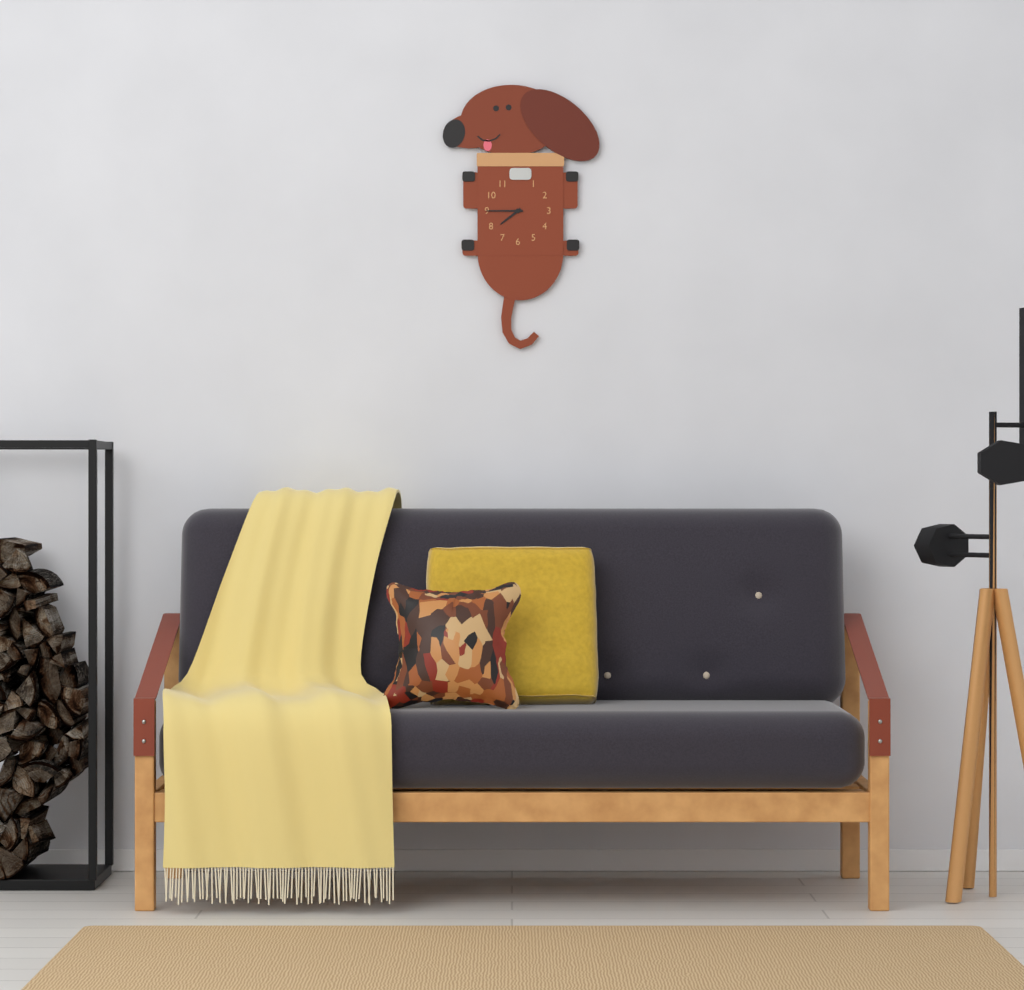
7:45
